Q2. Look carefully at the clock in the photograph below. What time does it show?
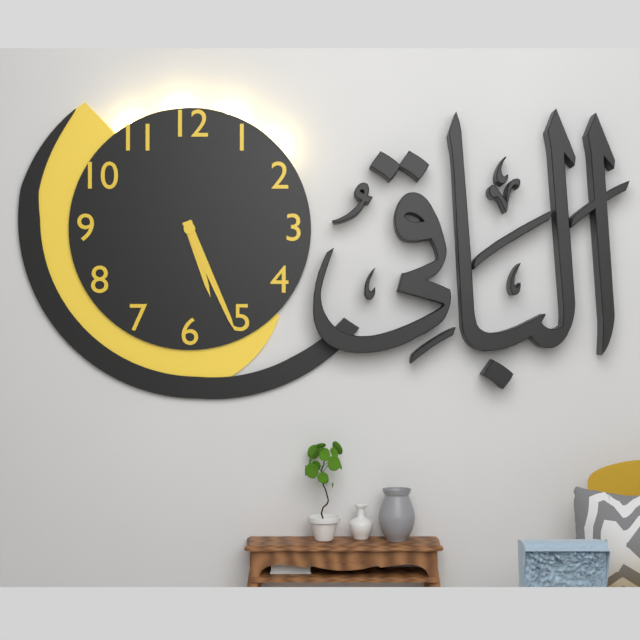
5:26
